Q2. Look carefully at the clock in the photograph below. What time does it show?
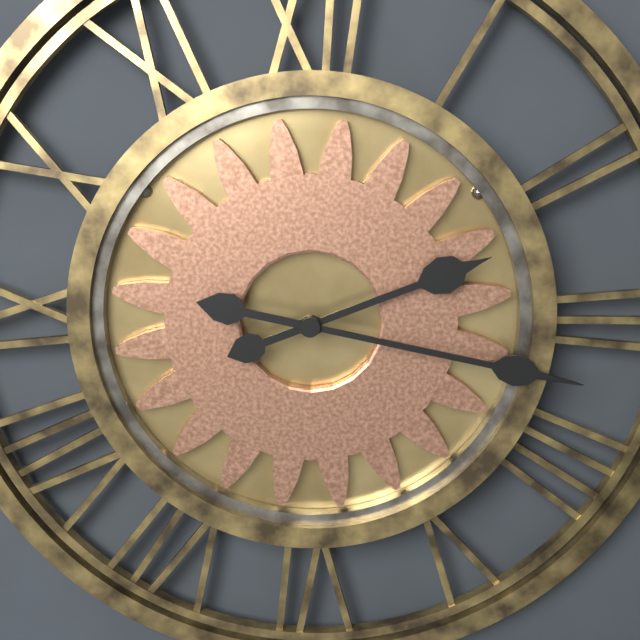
2:17
